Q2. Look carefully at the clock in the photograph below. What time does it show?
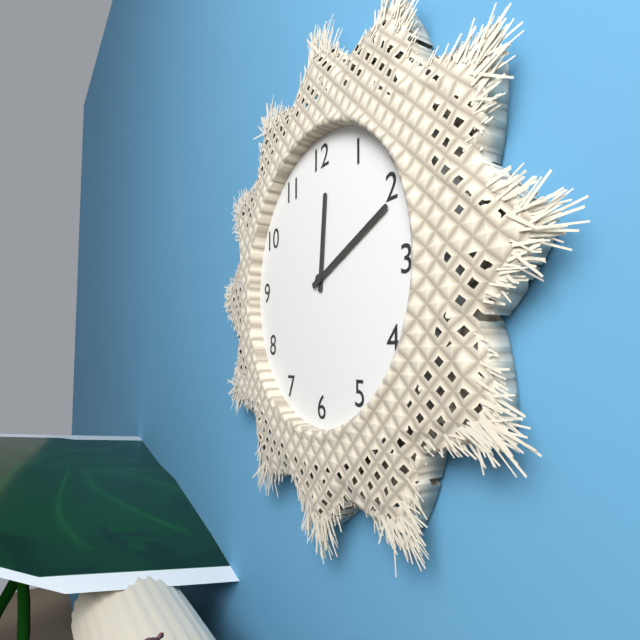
12:11
